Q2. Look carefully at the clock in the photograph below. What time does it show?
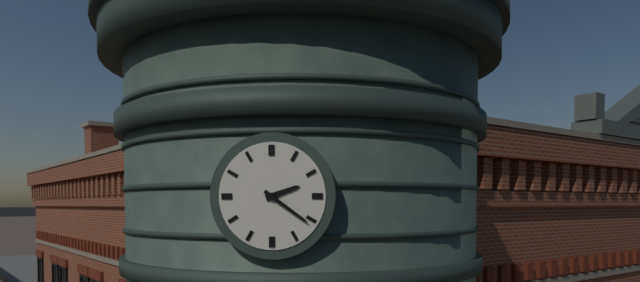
2:21
